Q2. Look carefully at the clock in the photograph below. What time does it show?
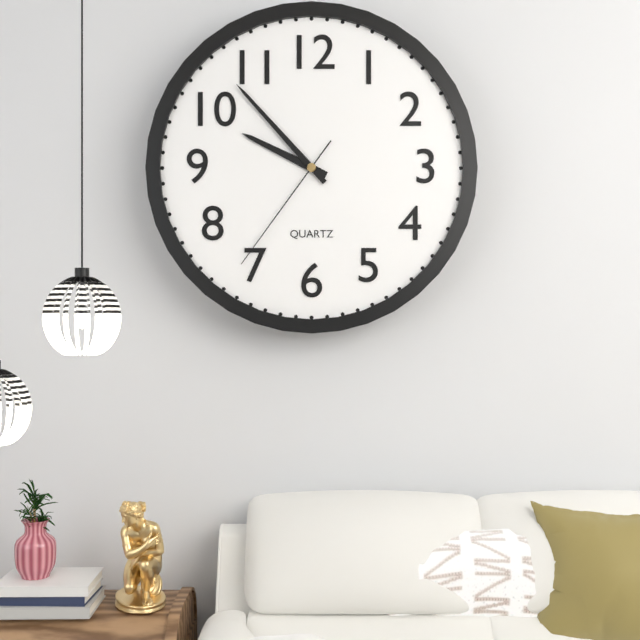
9:53:36
